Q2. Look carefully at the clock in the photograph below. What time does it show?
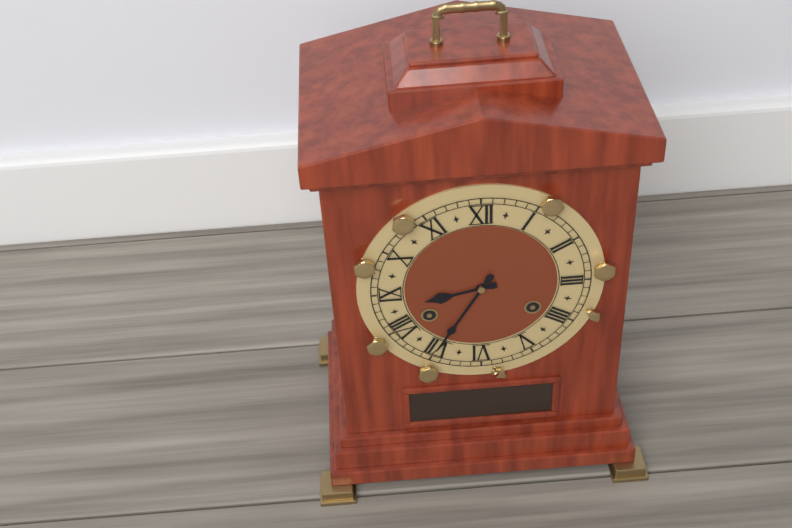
8:35
